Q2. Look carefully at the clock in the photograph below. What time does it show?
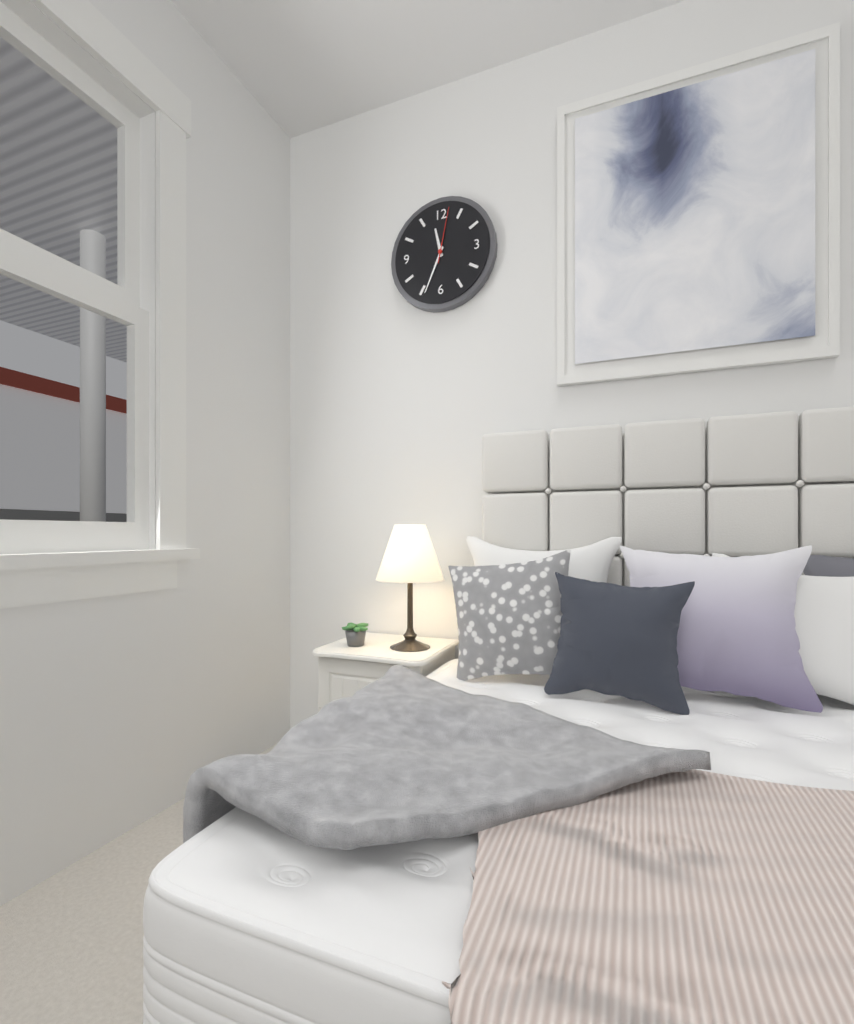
11:34:02
